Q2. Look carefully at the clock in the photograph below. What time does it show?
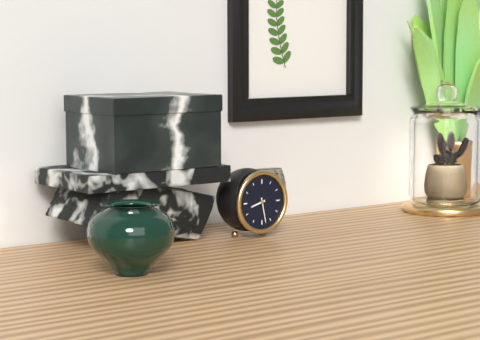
8:28
